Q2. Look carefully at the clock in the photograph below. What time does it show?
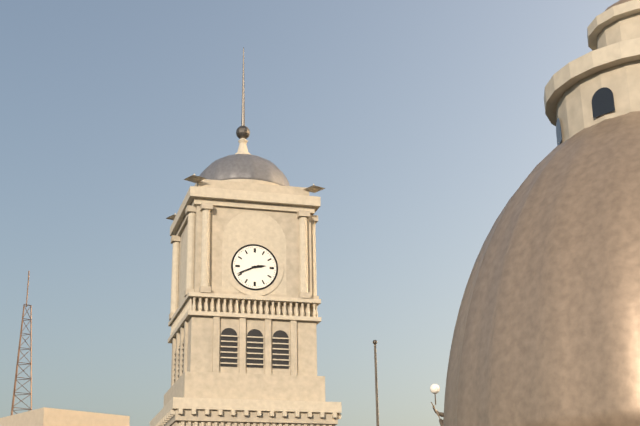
2:41
